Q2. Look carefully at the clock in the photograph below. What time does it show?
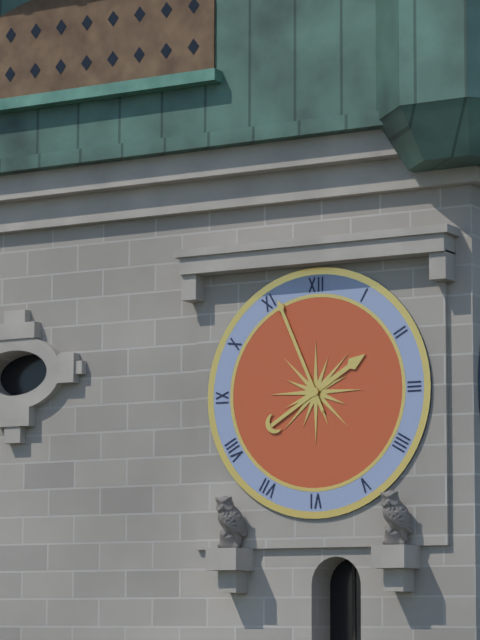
1:56
